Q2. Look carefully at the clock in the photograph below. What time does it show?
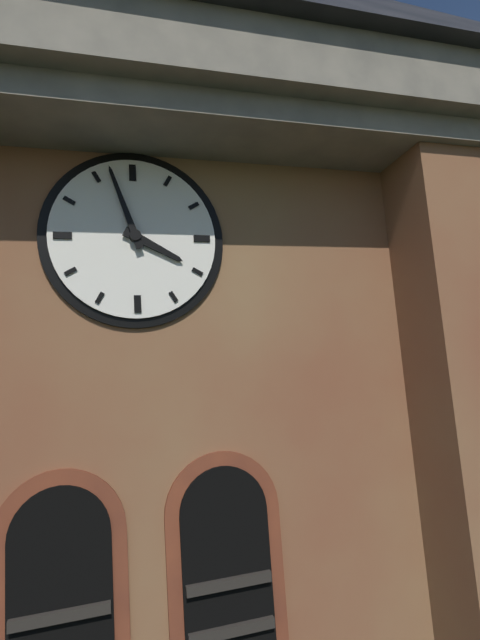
3:57
